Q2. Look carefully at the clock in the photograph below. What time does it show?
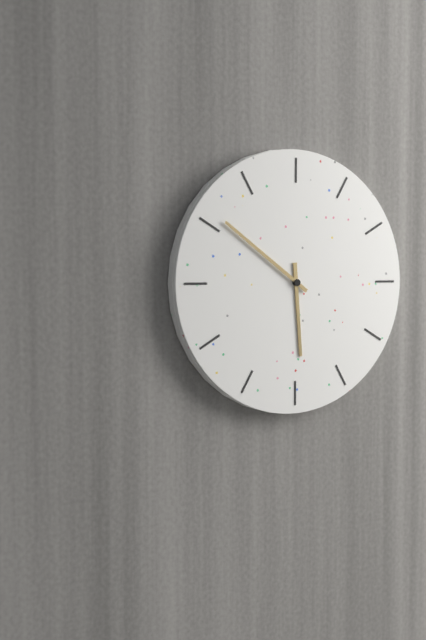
5:51
